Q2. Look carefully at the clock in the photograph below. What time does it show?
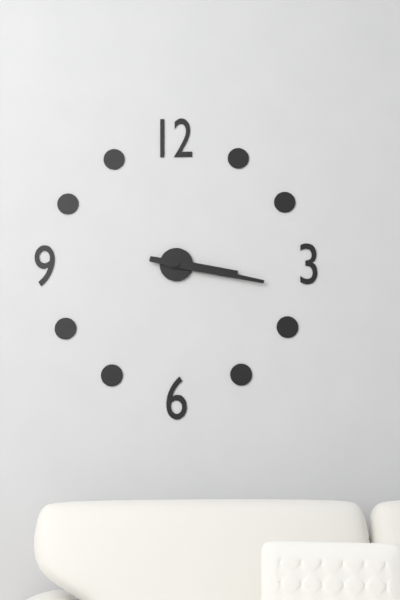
3:17
